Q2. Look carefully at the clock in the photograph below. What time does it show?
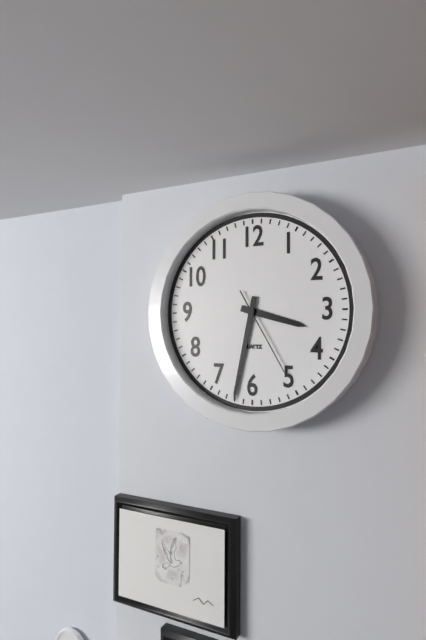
3:32:25
